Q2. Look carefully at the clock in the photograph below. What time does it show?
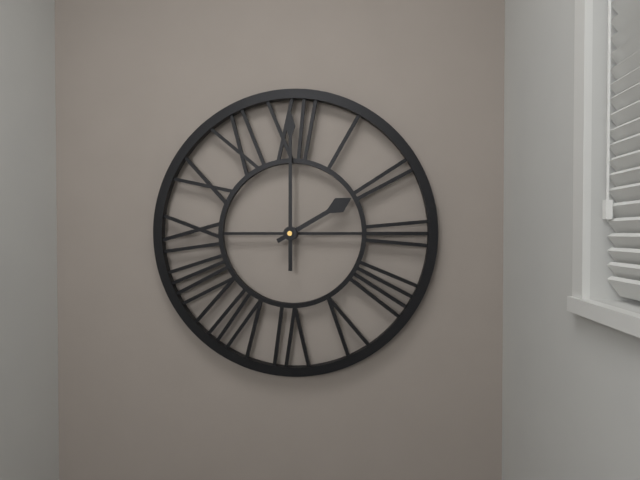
2:00
